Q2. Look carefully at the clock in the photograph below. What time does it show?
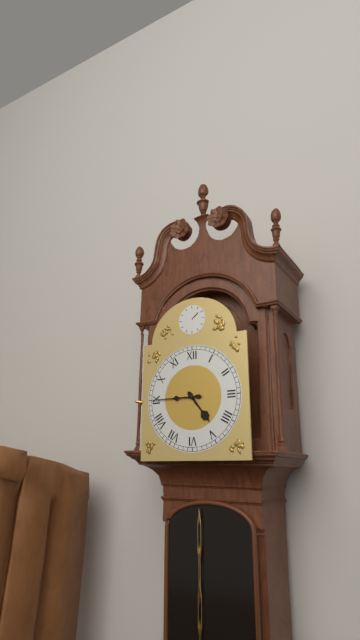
4:45
